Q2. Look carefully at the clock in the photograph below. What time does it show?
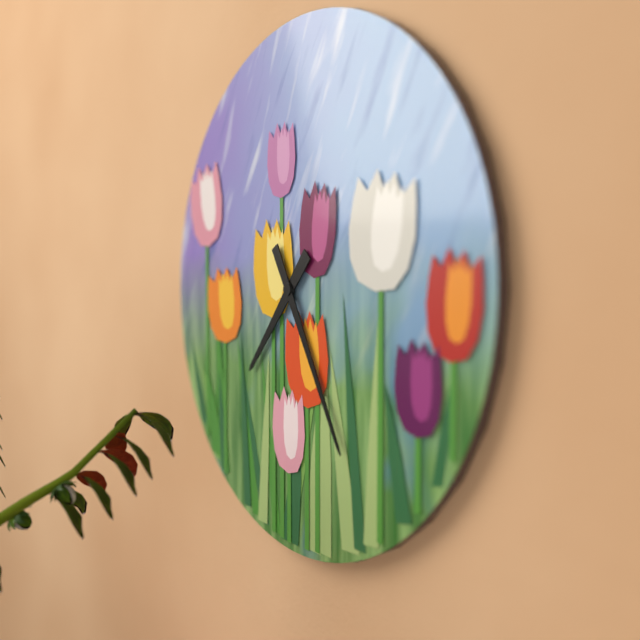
7:25
